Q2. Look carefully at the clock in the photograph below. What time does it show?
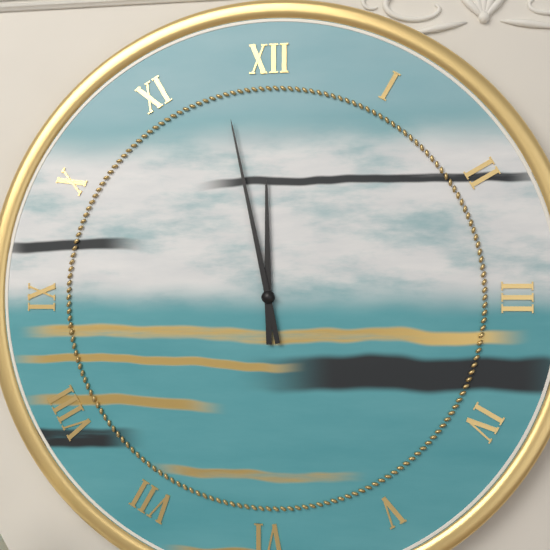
11:58
